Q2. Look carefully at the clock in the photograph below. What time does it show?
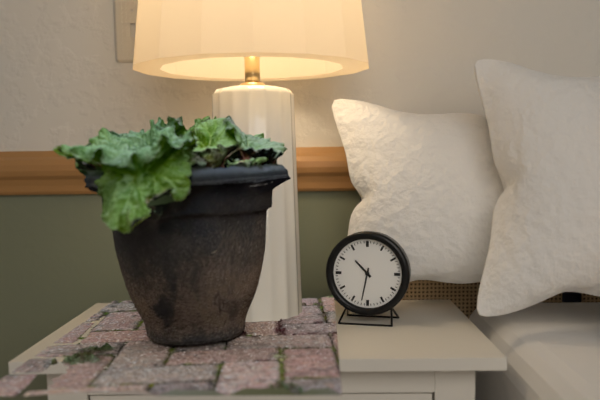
10:32
